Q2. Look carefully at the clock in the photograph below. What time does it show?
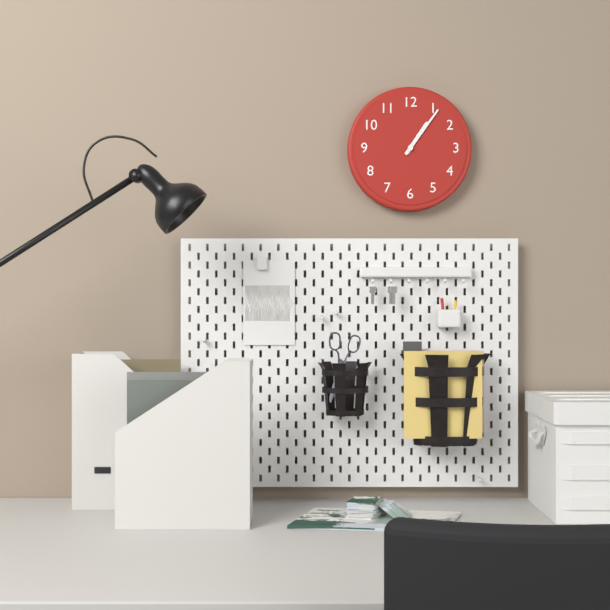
1:06
